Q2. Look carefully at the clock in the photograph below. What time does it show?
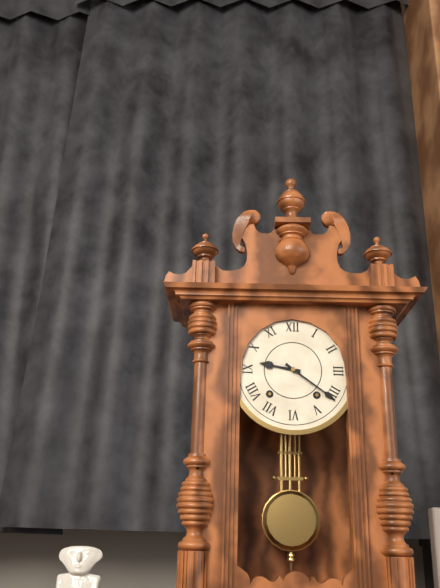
9:21
